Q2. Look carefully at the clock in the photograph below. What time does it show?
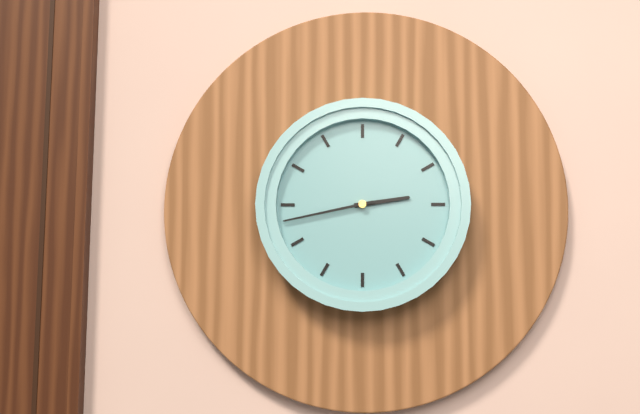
2:43
